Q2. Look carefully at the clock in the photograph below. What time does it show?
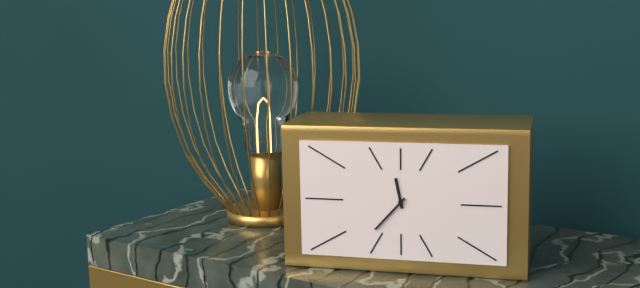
11:37
